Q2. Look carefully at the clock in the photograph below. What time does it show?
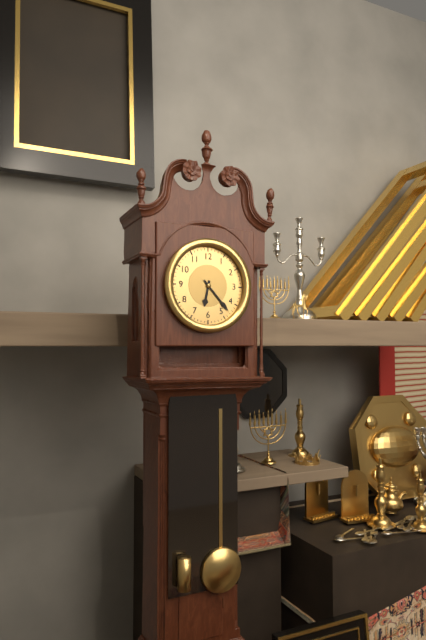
6:23
